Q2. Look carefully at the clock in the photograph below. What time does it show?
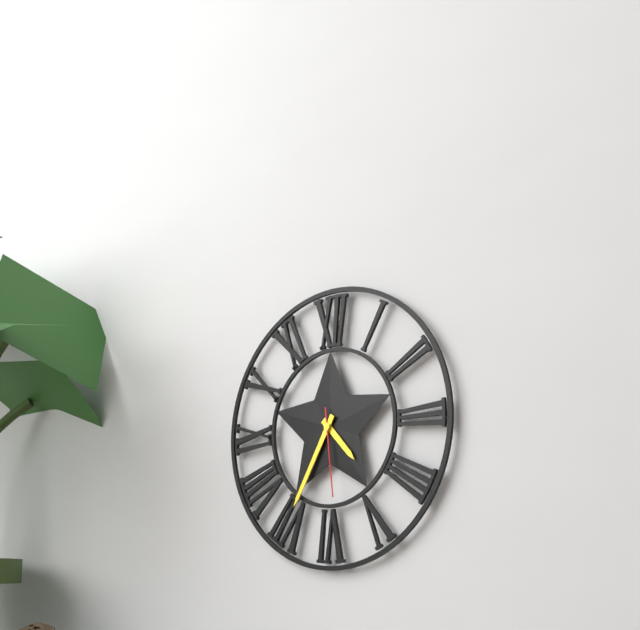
4:35:29
